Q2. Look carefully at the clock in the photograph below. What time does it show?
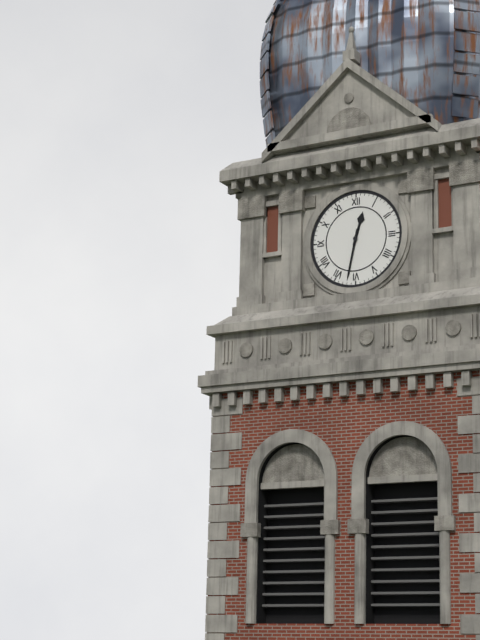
12:32
